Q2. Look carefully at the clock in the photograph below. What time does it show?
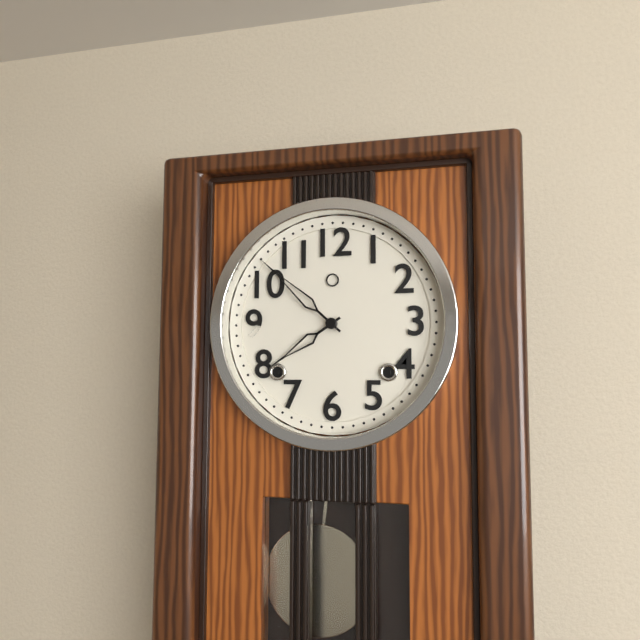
7:52
